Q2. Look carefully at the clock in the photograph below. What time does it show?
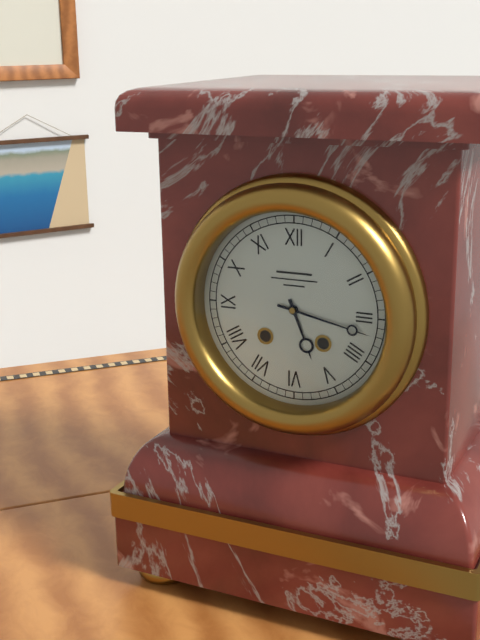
5:17
